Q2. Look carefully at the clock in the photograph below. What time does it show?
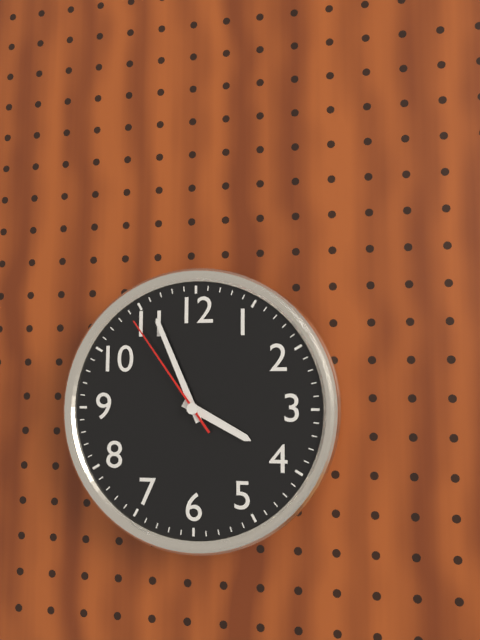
3:56:54
